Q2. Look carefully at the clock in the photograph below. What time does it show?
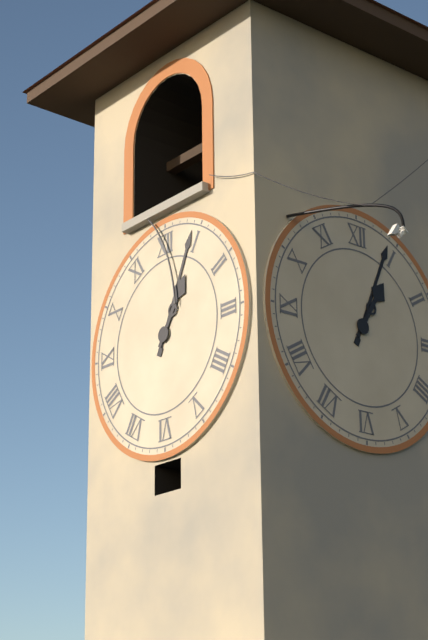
1:04
